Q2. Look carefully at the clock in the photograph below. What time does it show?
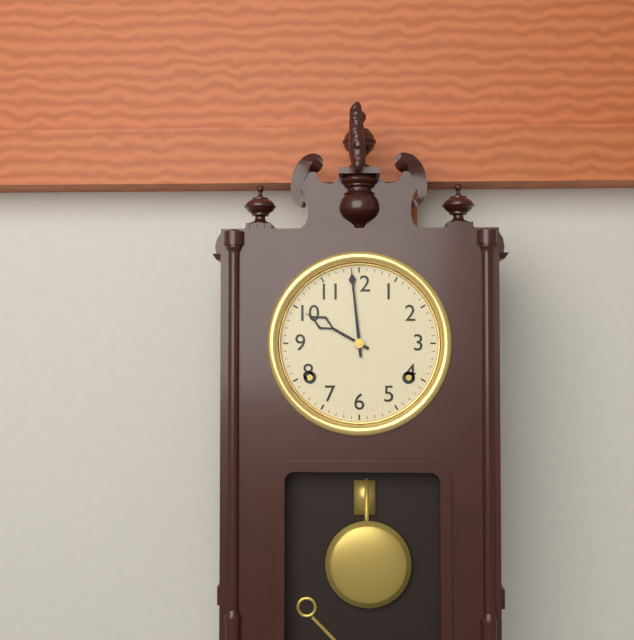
9:59
